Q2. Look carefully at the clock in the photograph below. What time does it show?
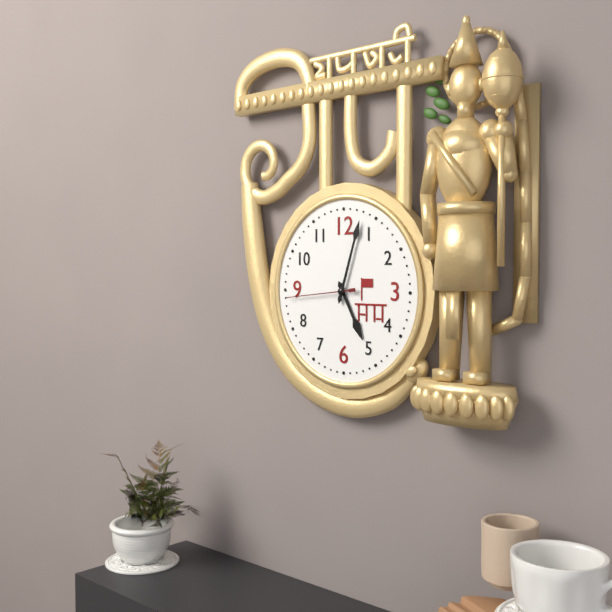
5:03:44
